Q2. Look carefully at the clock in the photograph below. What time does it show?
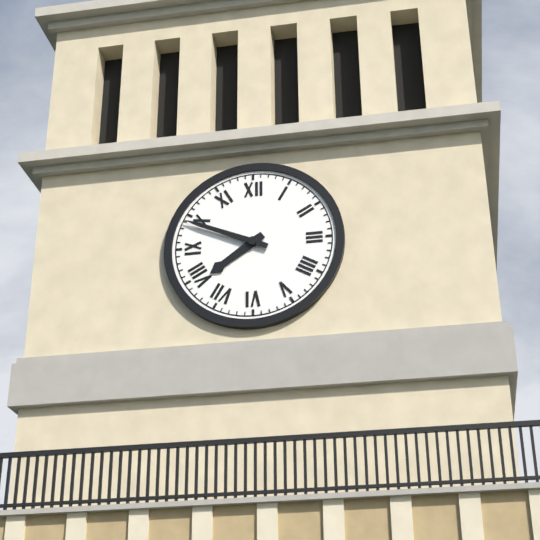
7:49
